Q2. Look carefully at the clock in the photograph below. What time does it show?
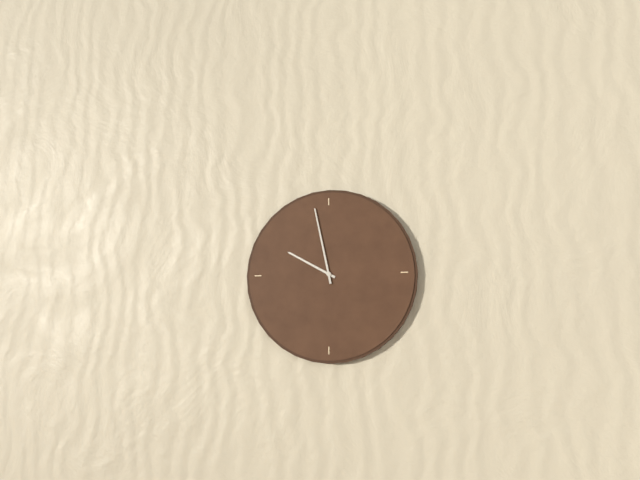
9:58
